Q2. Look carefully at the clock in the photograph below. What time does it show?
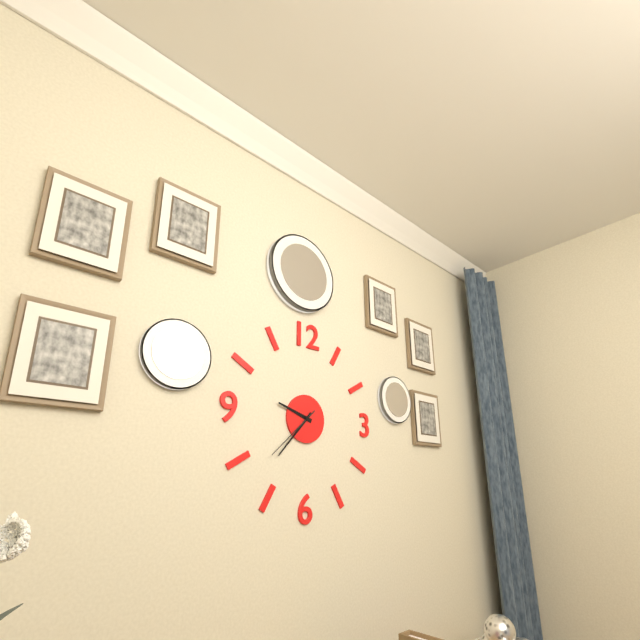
9:37:38
